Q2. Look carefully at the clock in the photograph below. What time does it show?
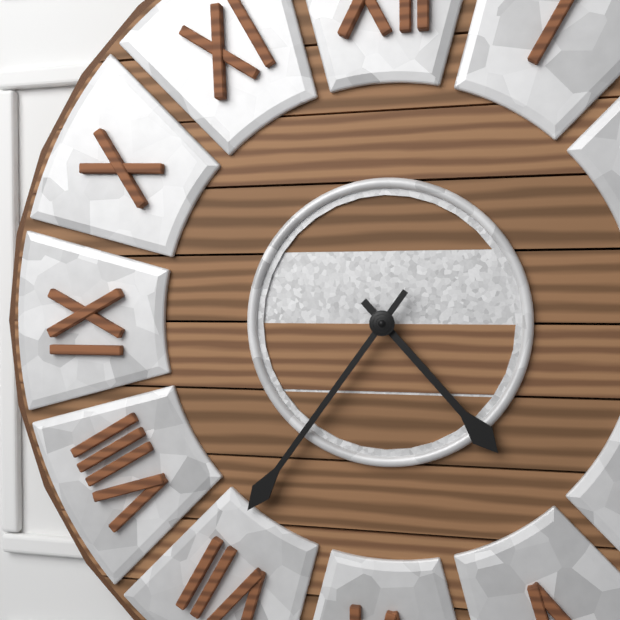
4:36
